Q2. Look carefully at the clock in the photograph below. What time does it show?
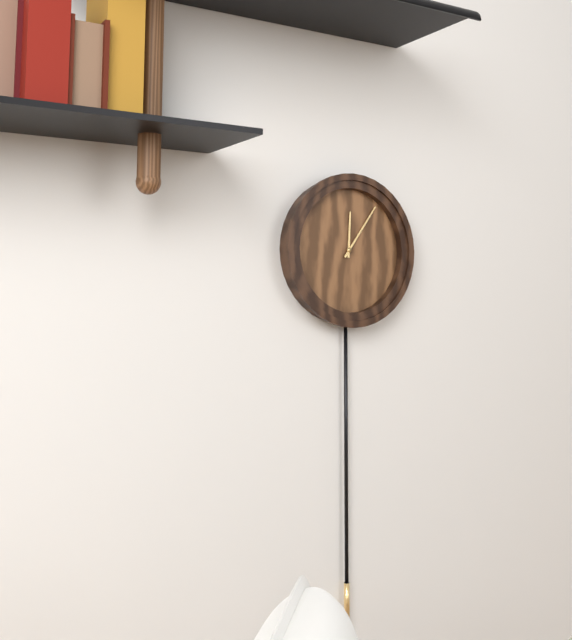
12:06
